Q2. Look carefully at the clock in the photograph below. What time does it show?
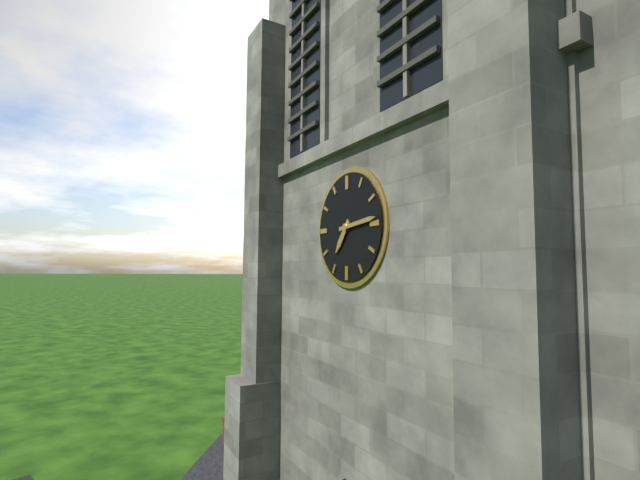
7:14
